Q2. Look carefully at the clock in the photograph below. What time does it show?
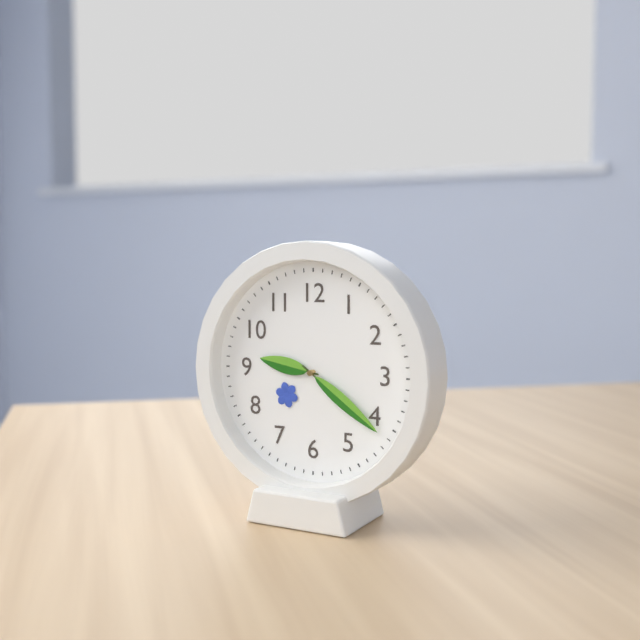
9:21
